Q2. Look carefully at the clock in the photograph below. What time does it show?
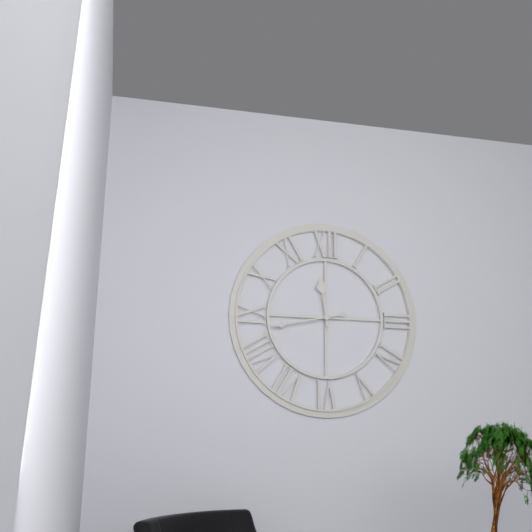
11:43
